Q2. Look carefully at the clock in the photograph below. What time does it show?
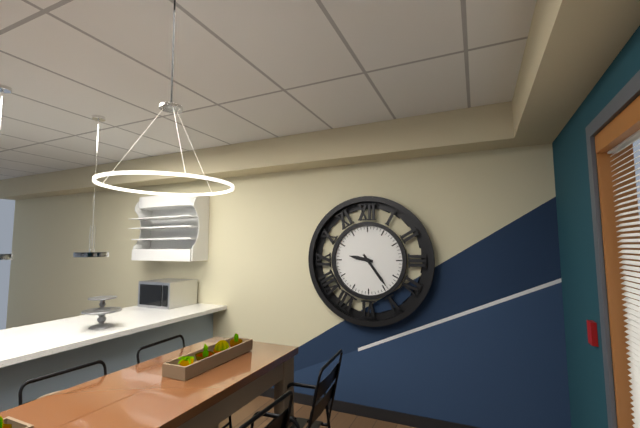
9:24
